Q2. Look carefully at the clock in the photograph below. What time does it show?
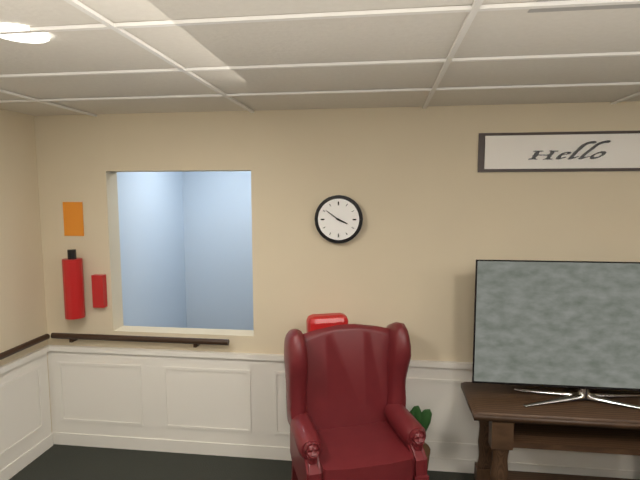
3:51
